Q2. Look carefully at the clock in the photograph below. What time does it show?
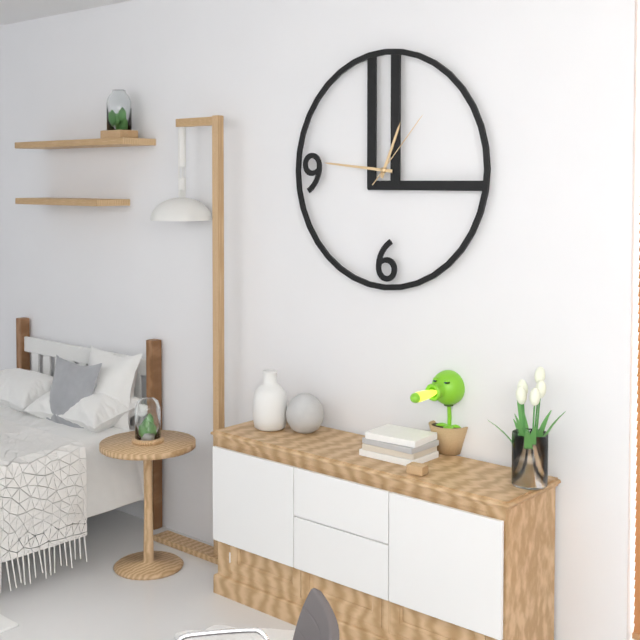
12:46:07
